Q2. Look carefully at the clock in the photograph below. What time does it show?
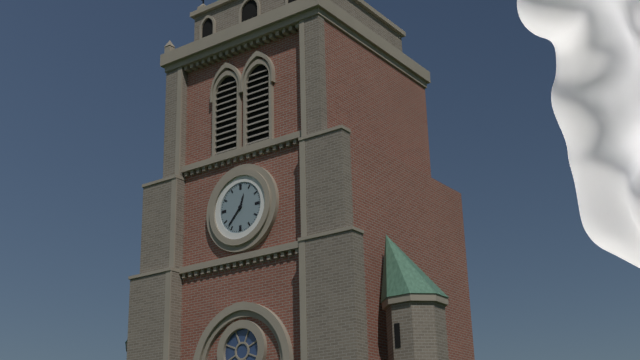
12:37
